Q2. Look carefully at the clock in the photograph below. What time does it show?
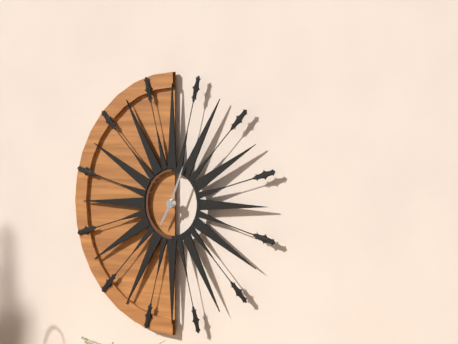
7:04
